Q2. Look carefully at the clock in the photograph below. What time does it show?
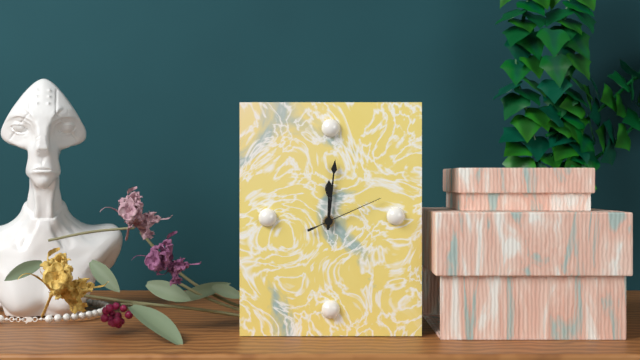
12:01:11
